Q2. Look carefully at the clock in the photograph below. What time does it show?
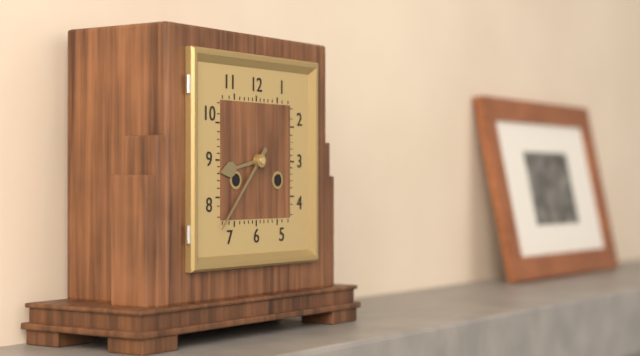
8:37
